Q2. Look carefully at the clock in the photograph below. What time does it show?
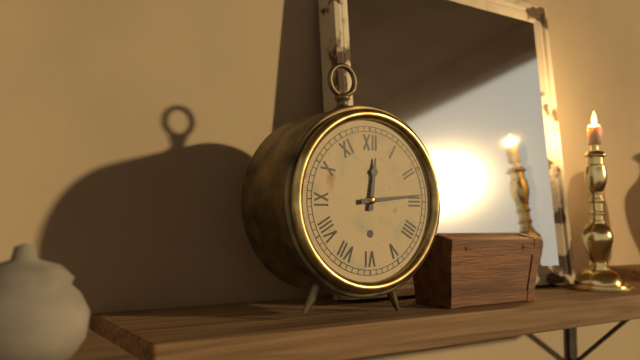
12:14
